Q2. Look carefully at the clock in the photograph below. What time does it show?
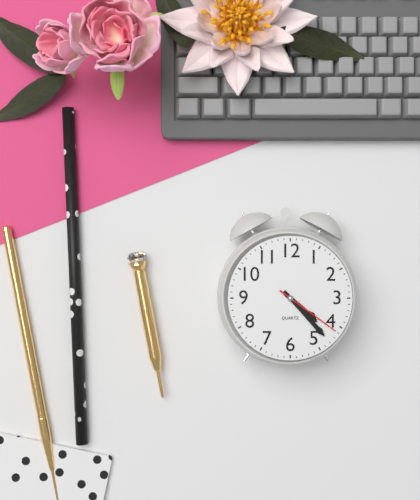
4:23:21
